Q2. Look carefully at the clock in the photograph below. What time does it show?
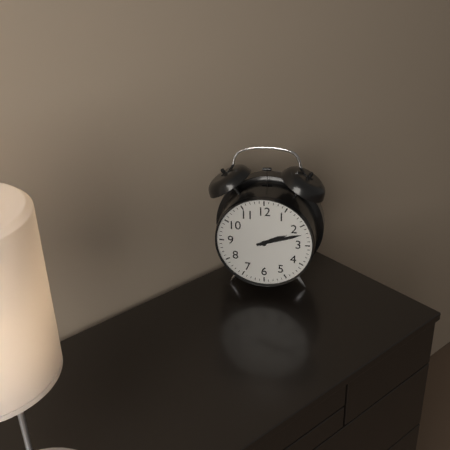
2:12
